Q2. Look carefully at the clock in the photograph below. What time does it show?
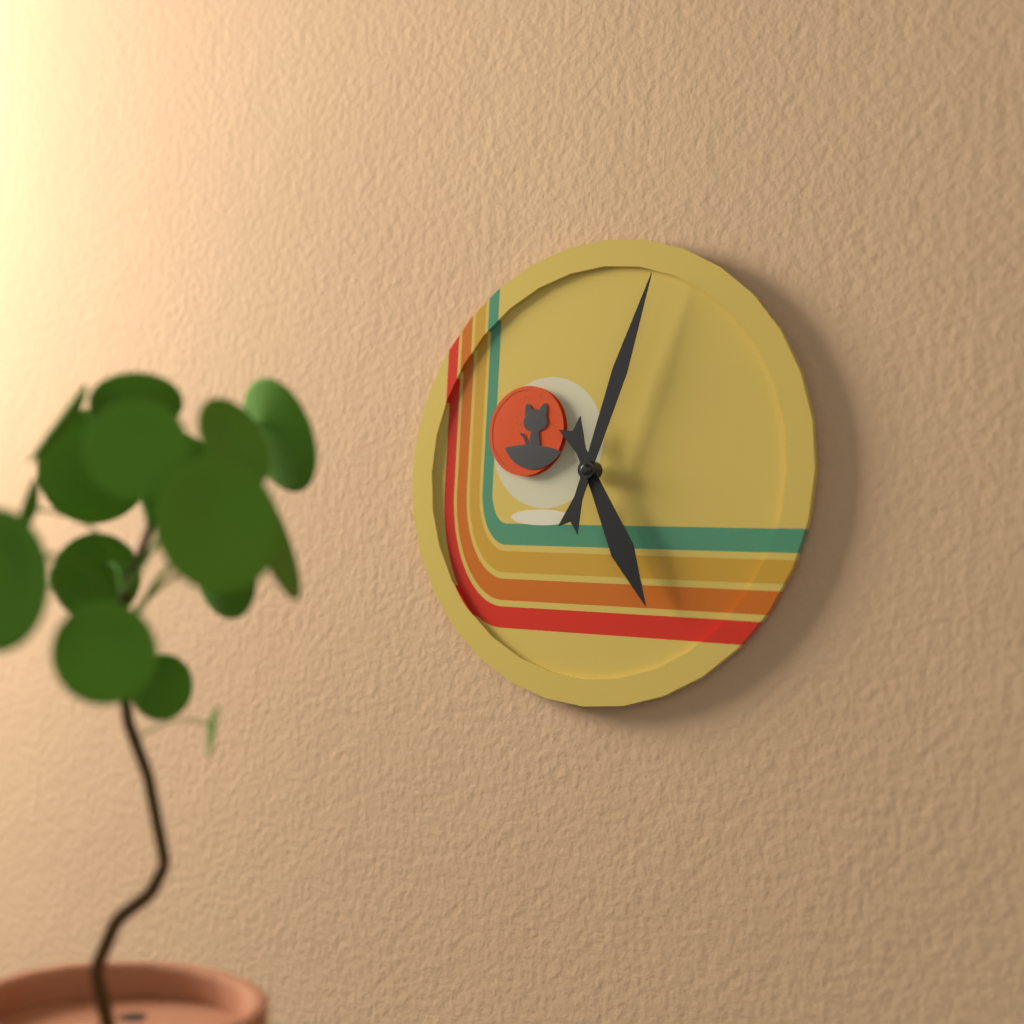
5:03
